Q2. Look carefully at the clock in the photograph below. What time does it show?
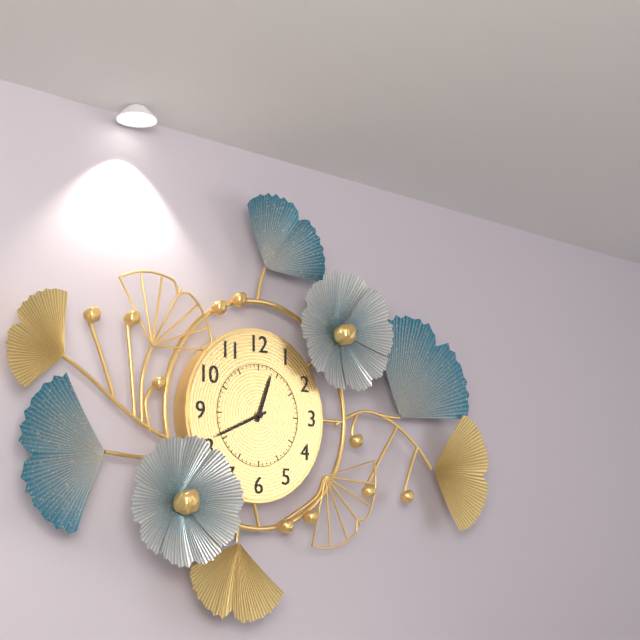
12:41
